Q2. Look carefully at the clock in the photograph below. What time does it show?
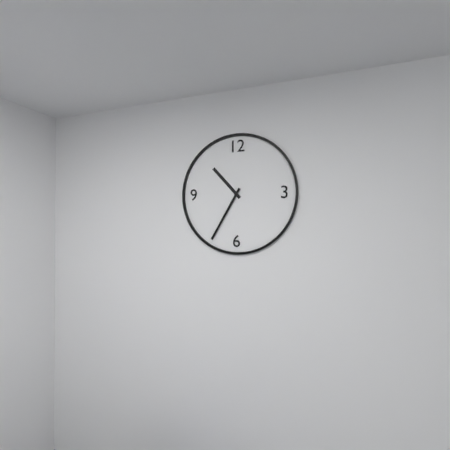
10:35
